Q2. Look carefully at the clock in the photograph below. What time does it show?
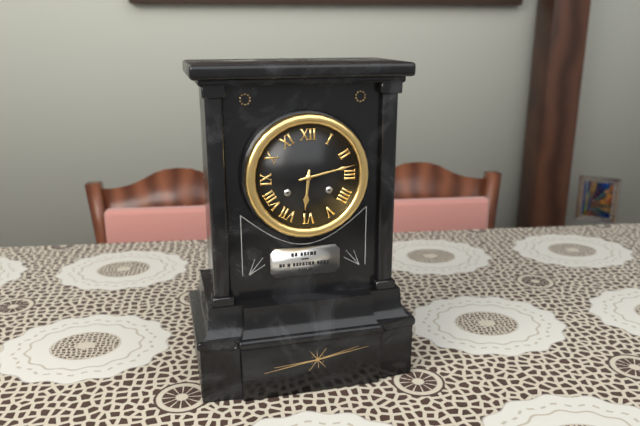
6:13
